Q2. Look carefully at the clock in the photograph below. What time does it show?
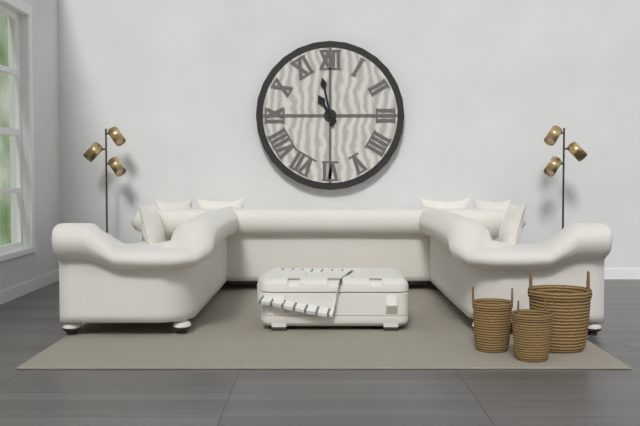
10:58
